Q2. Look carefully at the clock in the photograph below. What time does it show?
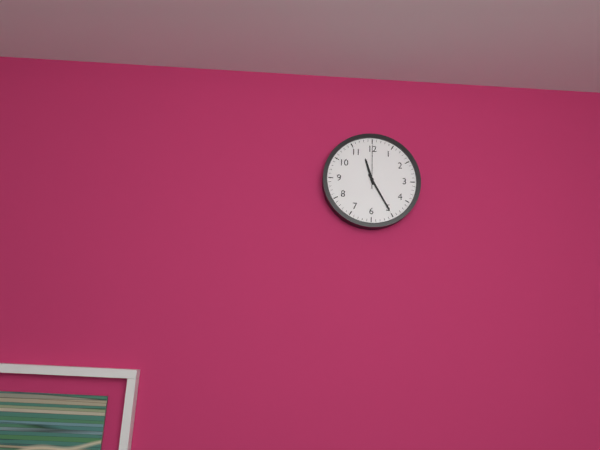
11:25
